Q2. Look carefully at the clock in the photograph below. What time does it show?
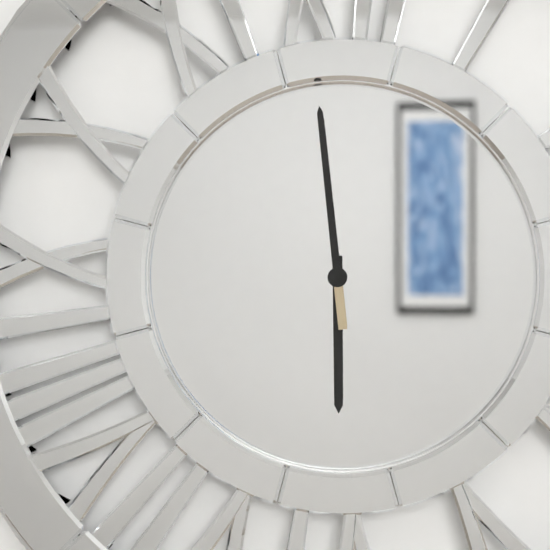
5:59
